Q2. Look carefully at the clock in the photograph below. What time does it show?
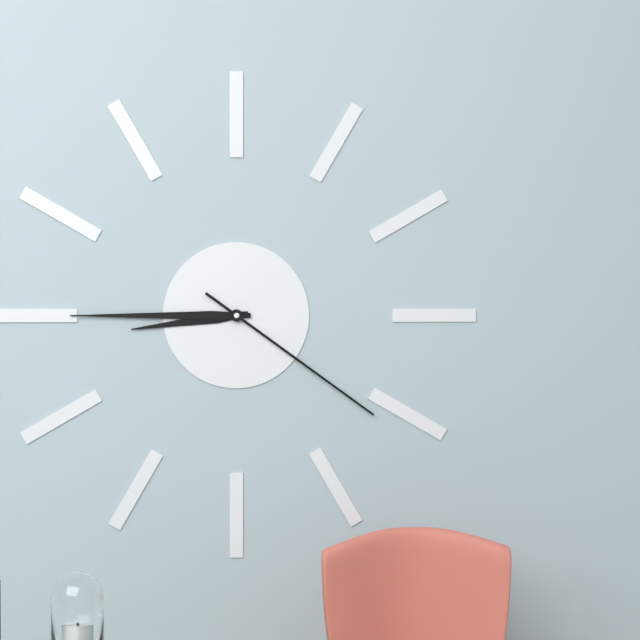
8:45:21
